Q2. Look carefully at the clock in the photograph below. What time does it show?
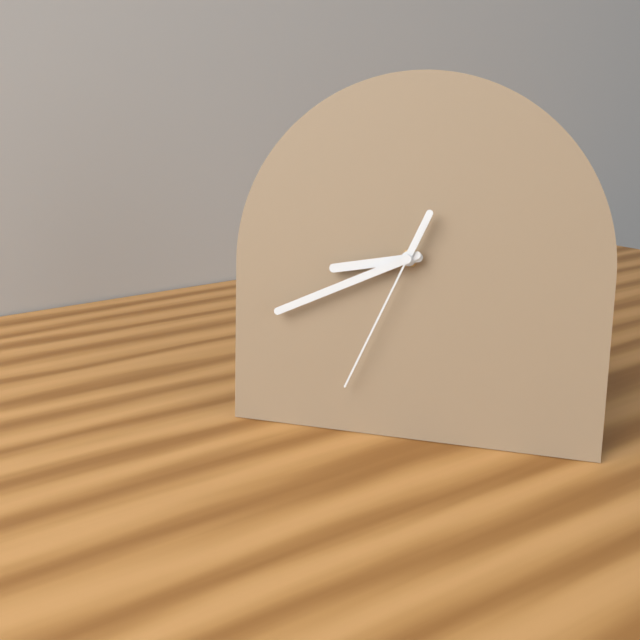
8:41:34
